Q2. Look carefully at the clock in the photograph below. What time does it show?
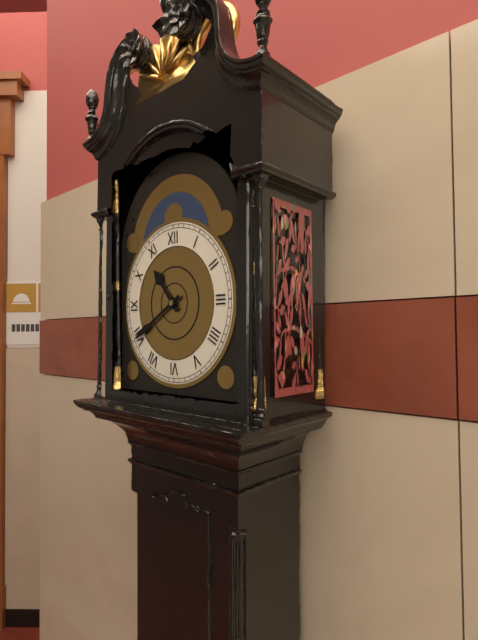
10:40
